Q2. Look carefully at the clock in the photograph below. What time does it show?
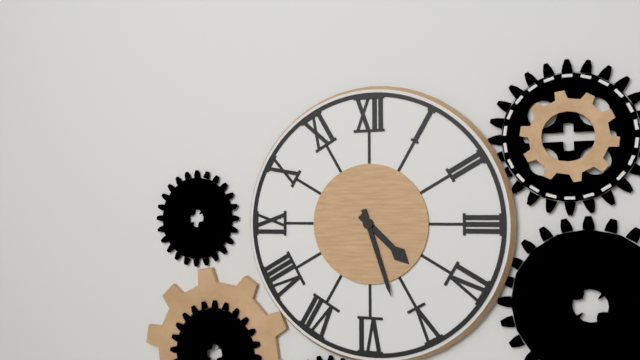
4:27
